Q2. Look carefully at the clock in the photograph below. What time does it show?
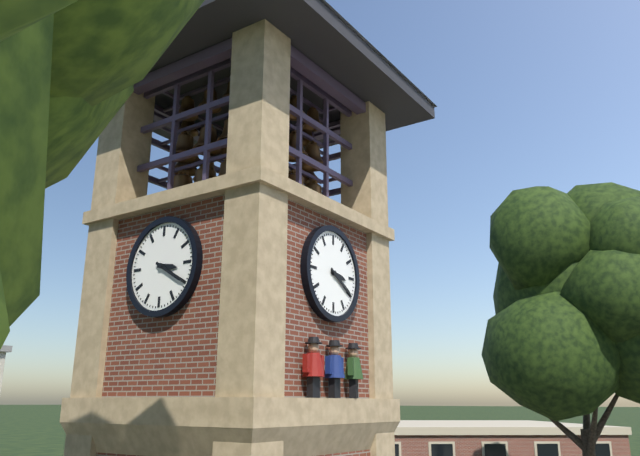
3:20
